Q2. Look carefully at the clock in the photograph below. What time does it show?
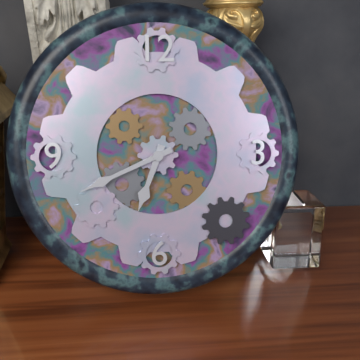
6:41
